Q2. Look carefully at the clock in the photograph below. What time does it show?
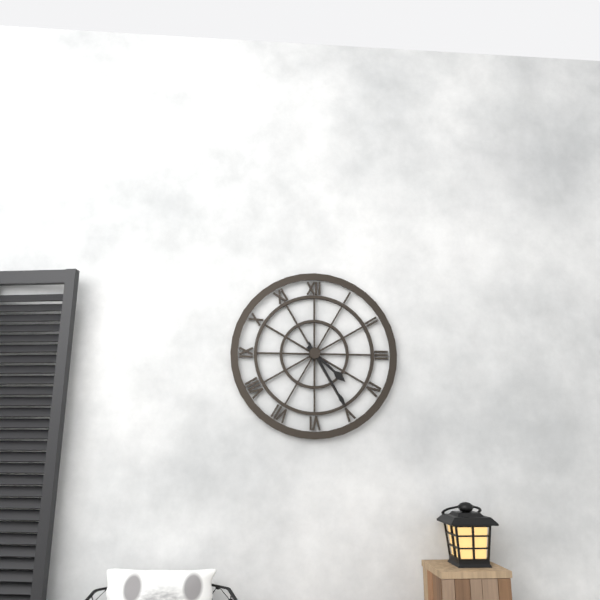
4:25
